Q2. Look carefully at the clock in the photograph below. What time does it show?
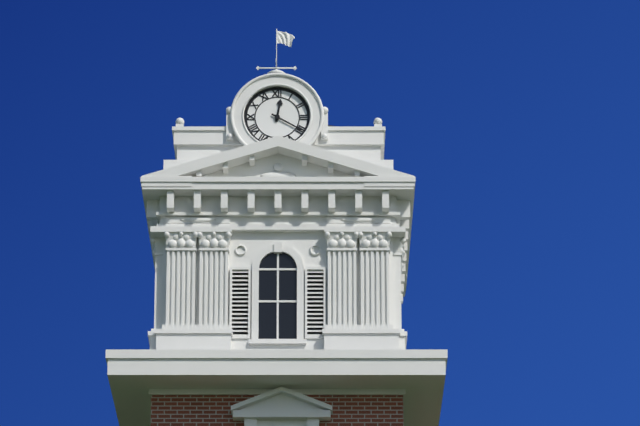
12:20
